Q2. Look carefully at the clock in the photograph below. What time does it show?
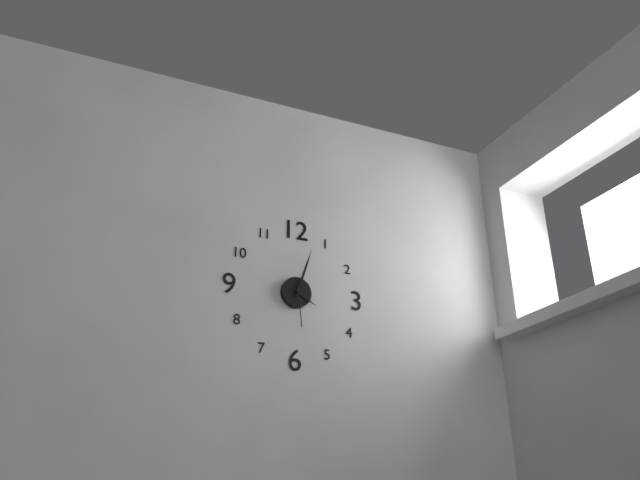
4:03
